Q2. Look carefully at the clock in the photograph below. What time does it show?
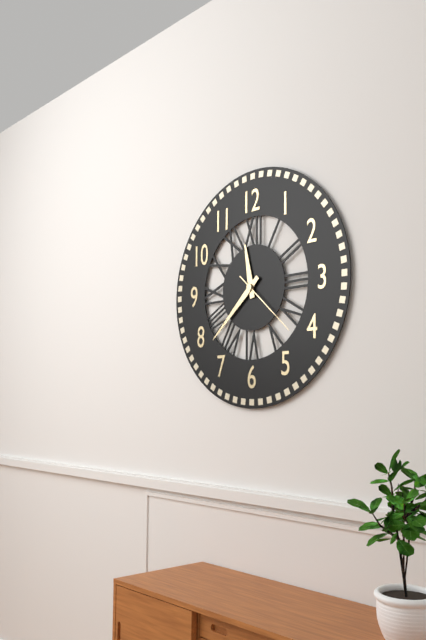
11:38:22
